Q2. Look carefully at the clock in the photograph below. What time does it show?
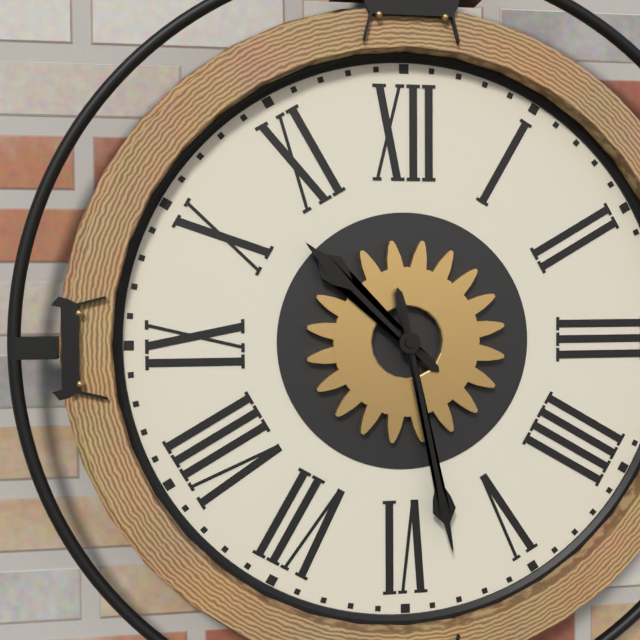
10:28
